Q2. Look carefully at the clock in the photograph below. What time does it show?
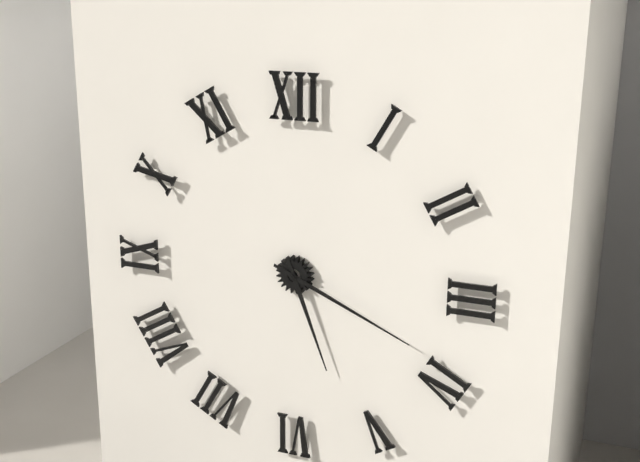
5:19
